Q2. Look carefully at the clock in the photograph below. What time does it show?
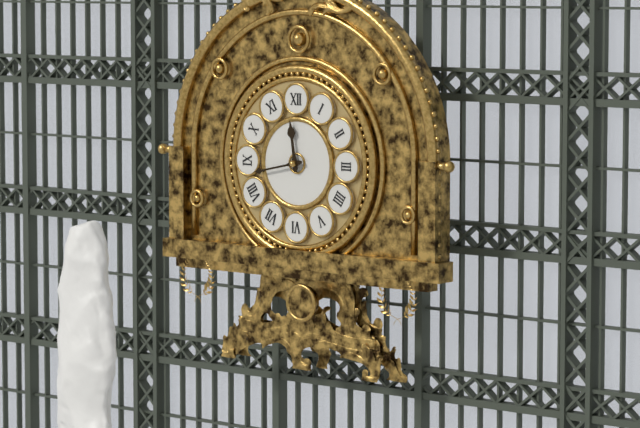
11:43
